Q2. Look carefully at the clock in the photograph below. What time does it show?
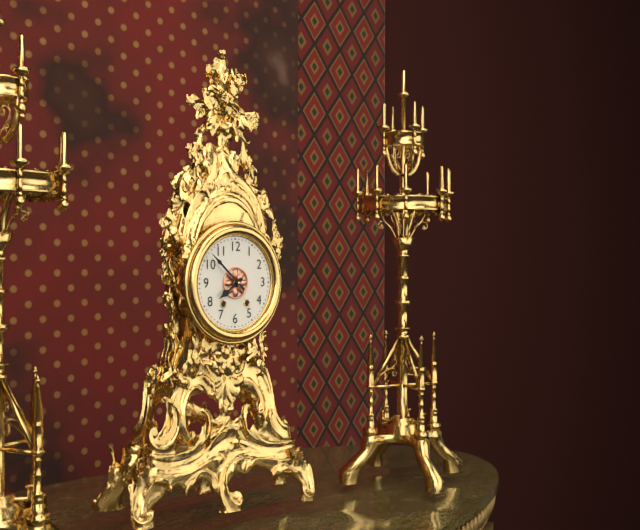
7:52
